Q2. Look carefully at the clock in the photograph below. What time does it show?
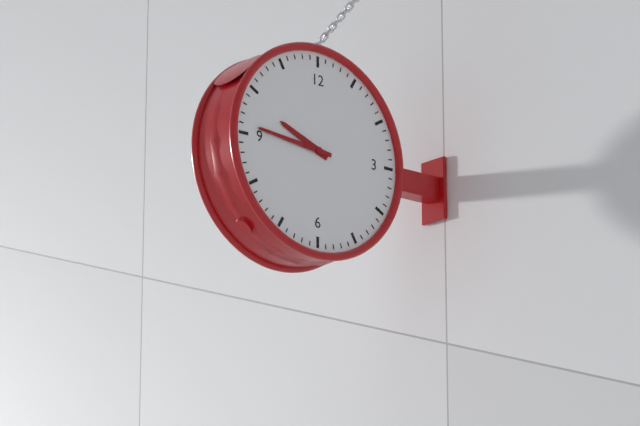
9:46
